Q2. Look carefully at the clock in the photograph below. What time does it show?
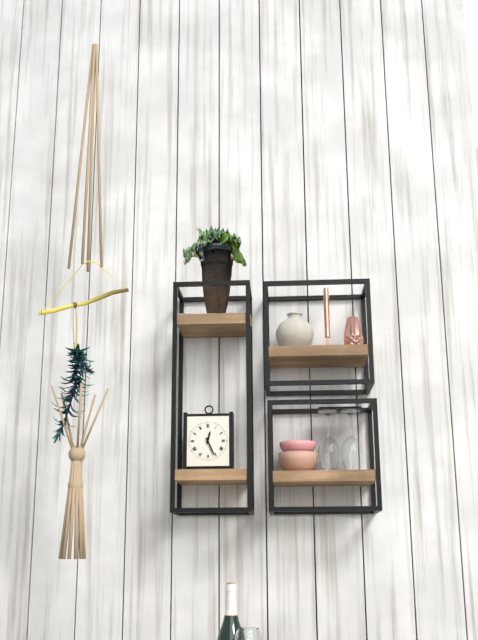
12:26
